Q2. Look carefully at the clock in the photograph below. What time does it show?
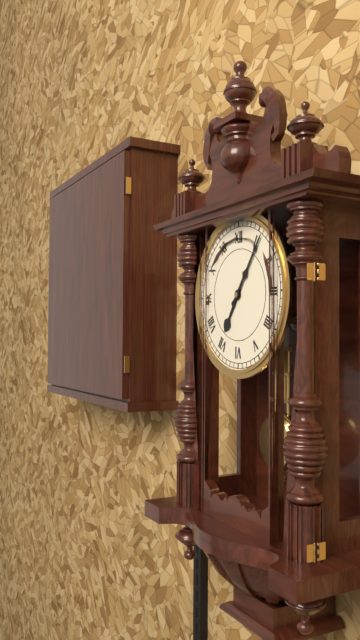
7:06
